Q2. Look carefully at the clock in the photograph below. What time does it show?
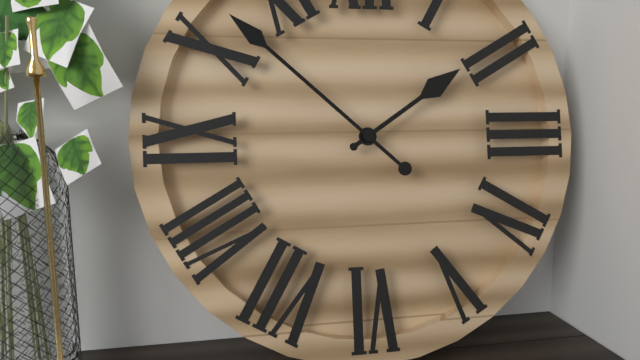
1:52
